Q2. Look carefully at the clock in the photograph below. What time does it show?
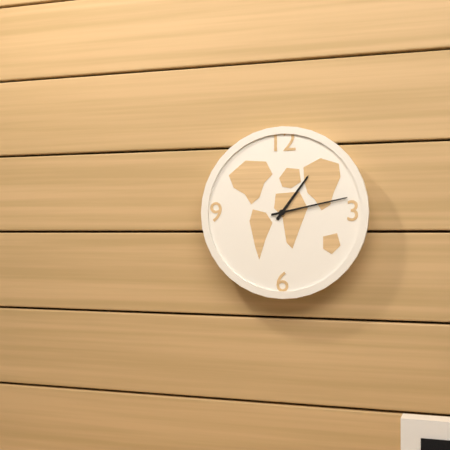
1:13
